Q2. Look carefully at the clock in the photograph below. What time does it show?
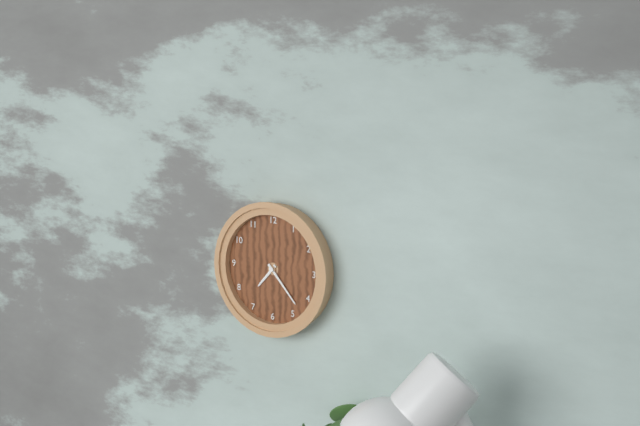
7:23
